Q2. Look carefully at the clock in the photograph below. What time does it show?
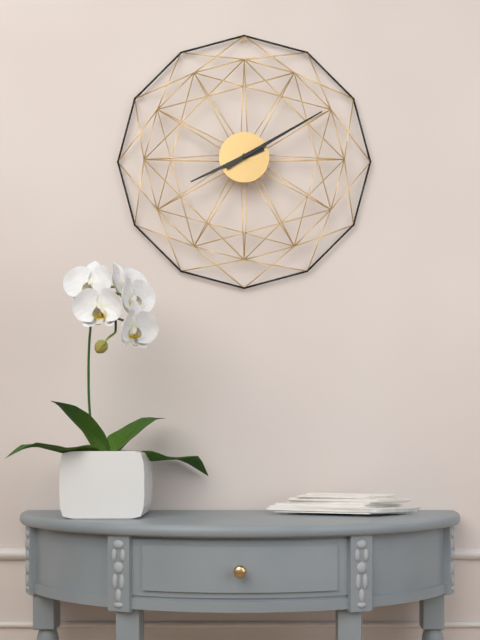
8:10
